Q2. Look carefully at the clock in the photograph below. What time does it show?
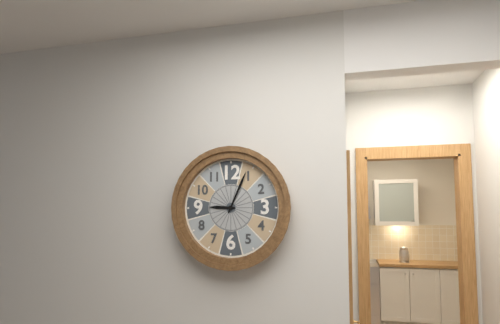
9:04
